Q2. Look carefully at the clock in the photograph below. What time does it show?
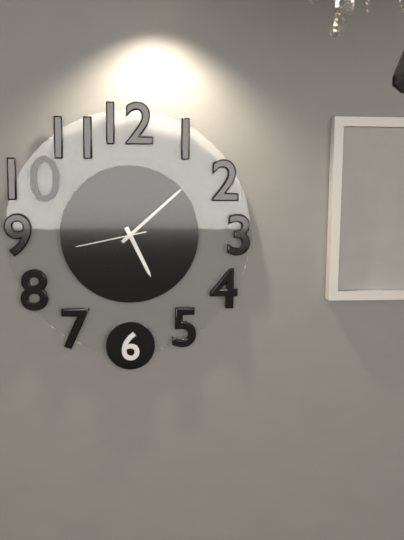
5:08:43
